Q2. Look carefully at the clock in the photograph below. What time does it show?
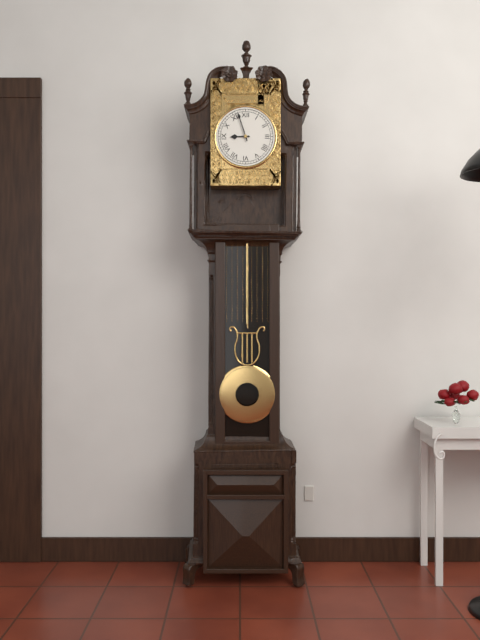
8:57
